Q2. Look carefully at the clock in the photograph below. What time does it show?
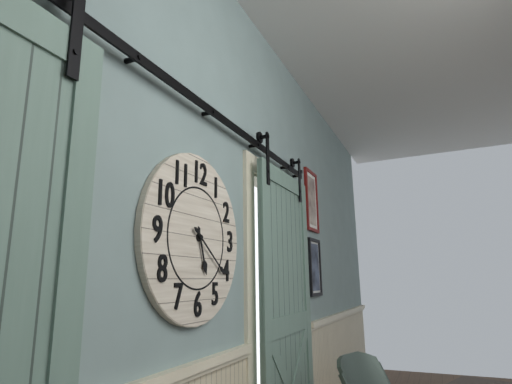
5:21
